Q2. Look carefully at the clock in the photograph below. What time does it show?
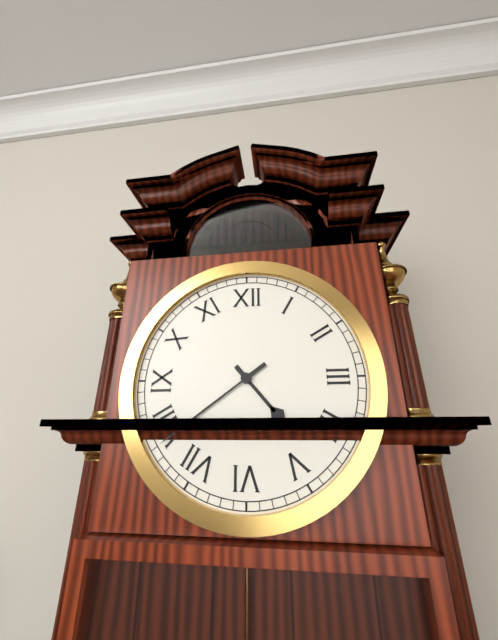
4:39
